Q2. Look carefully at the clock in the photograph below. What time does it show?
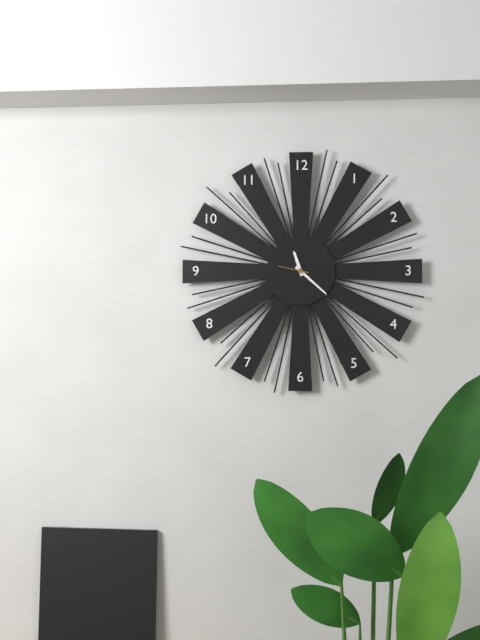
11:22
